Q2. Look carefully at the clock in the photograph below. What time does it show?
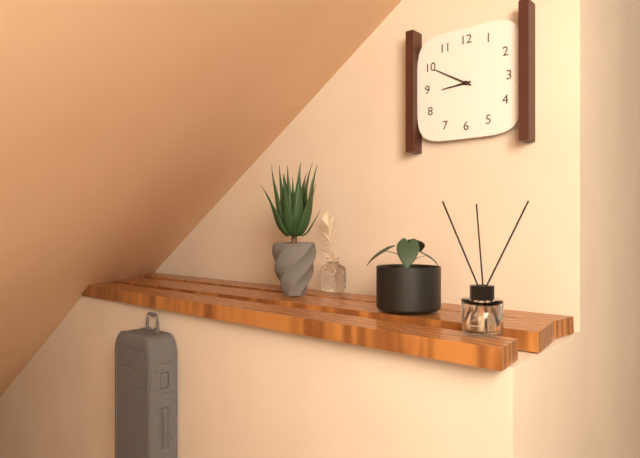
8:50
